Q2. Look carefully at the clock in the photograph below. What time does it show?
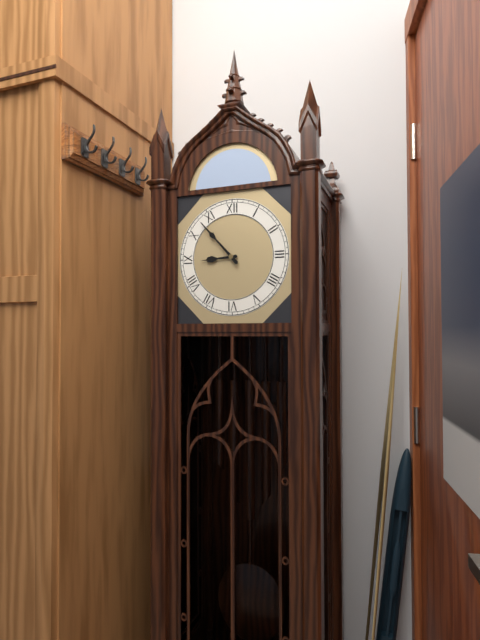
8:53
